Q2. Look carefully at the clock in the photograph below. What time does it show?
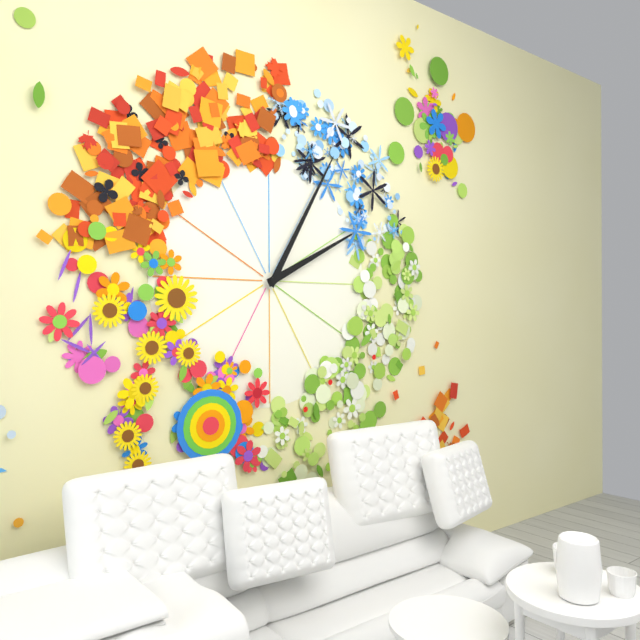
2:05
